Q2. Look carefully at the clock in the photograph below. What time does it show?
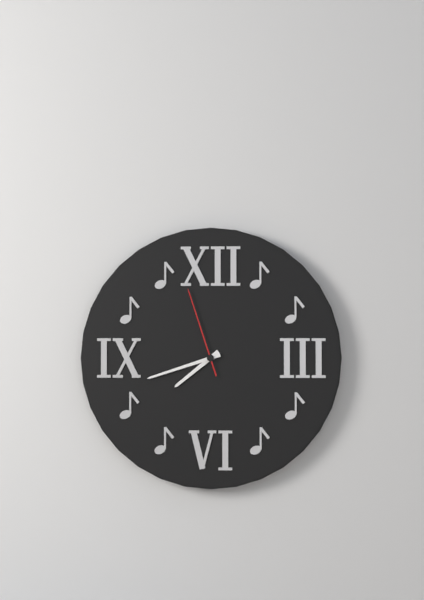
7:42:57
